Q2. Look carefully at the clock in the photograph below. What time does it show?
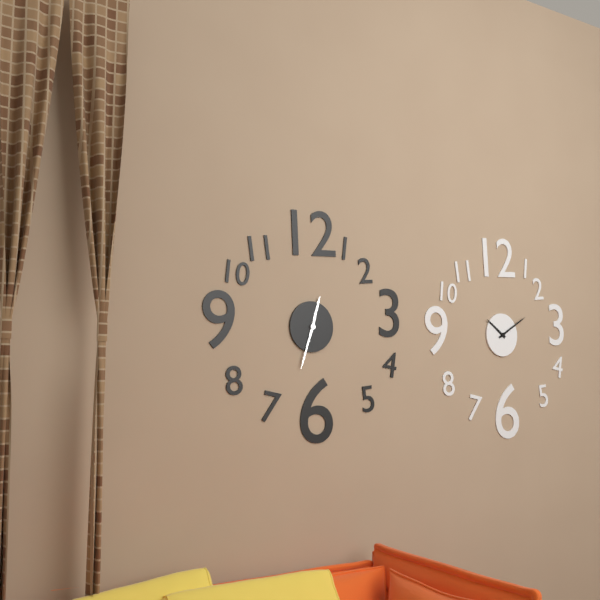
12:33
